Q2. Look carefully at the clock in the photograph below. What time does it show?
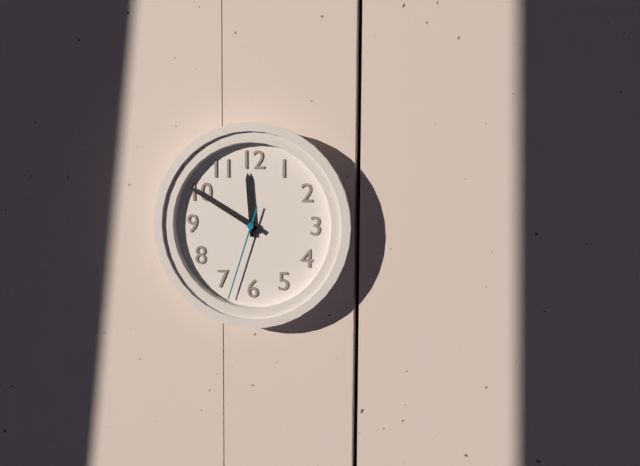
11:50:33
